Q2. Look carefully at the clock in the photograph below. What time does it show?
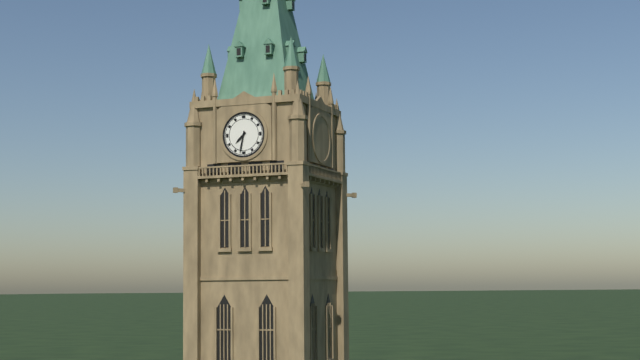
7:32
